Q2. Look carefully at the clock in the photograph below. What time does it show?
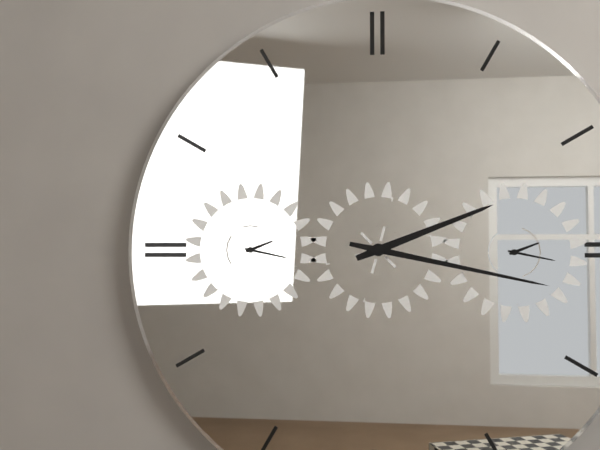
2:17
